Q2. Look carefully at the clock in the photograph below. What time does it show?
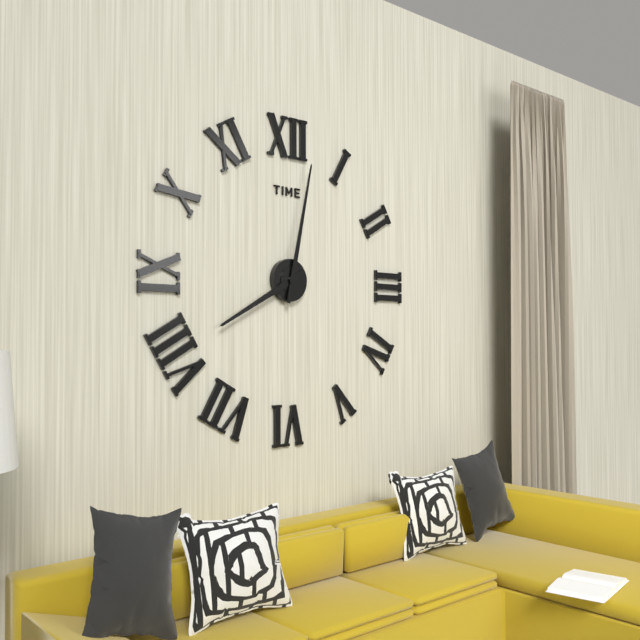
8:02
